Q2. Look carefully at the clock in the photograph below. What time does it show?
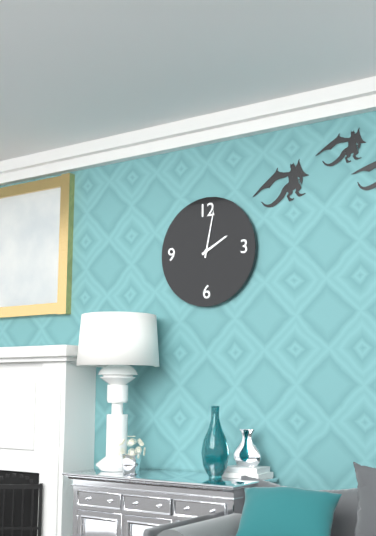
2:02
